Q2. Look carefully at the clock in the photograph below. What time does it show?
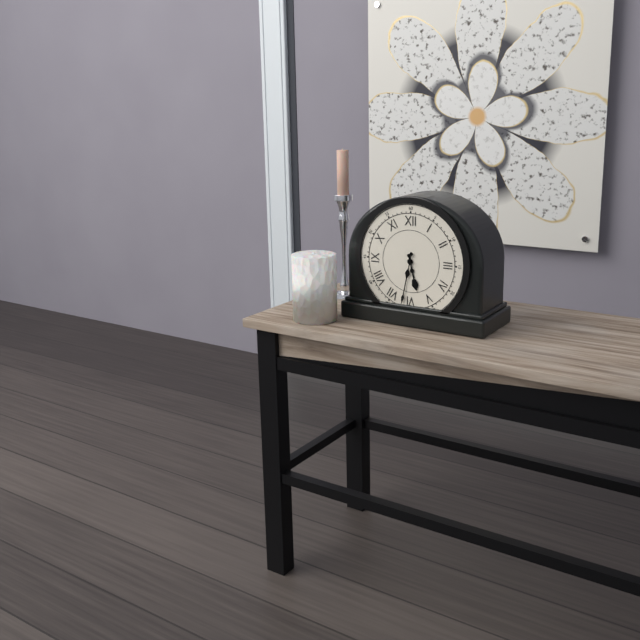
5:32
